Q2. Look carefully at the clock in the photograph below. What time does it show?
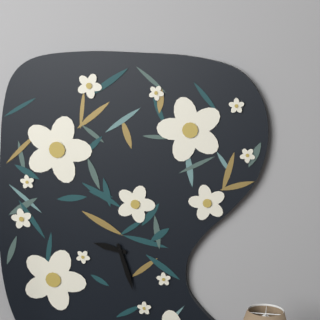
9:27
